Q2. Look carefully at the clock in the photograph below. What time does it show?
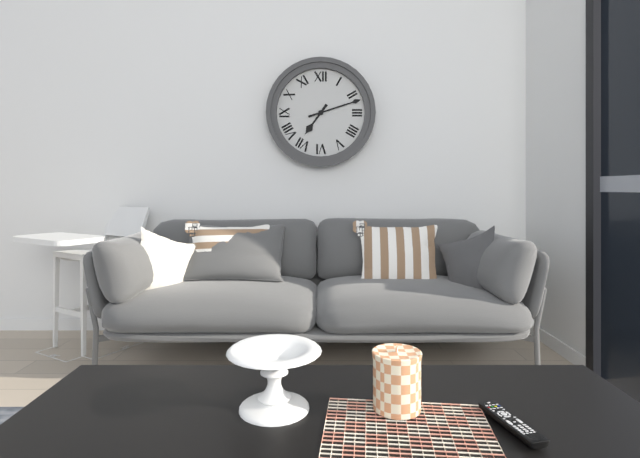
7:12
